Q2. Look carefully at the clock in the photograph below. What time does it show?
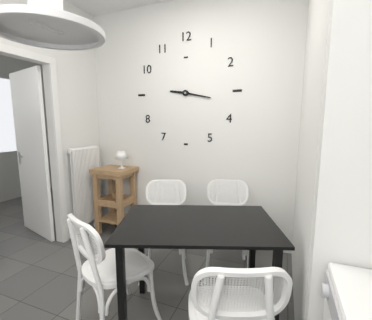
9:17
